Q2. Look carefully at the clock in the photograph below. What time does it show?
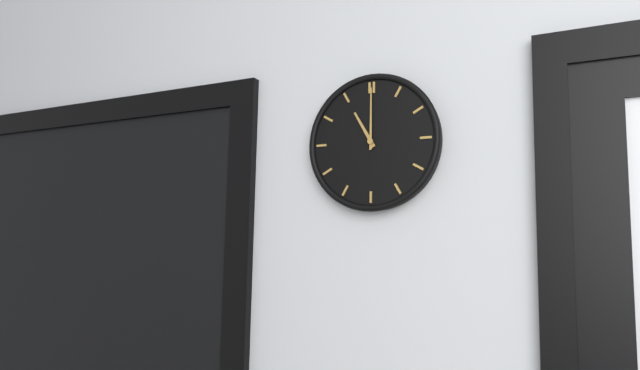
11:00
